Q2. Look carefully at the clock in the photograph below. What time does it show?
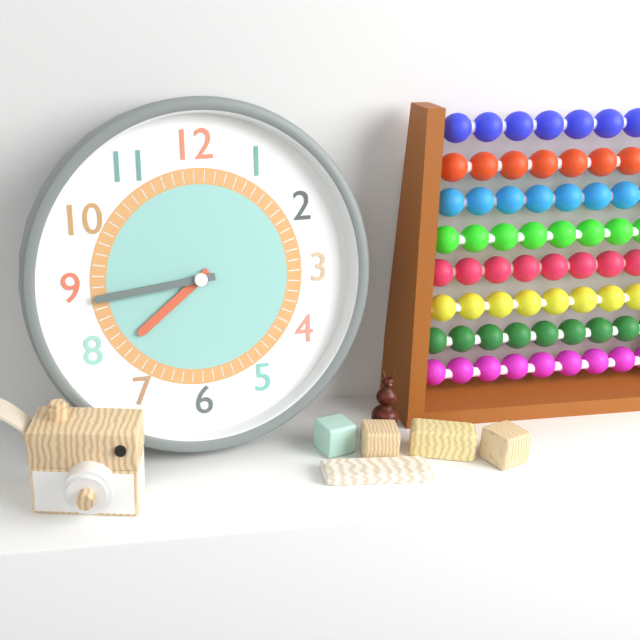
7:44
